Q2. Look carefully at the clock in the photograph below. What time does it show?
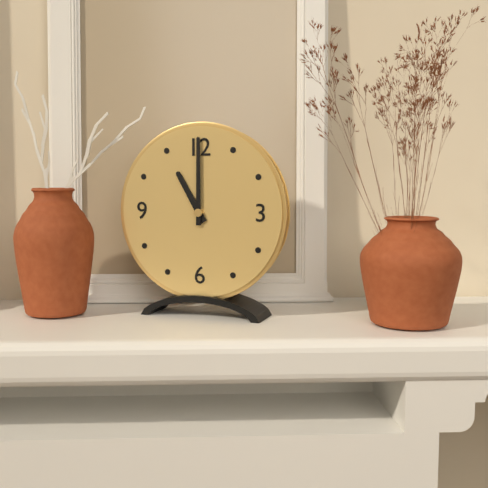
11:00
